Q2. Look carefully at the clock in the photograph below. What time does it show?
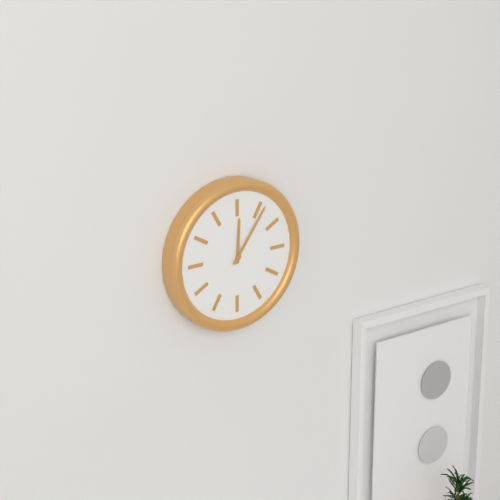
12:06
